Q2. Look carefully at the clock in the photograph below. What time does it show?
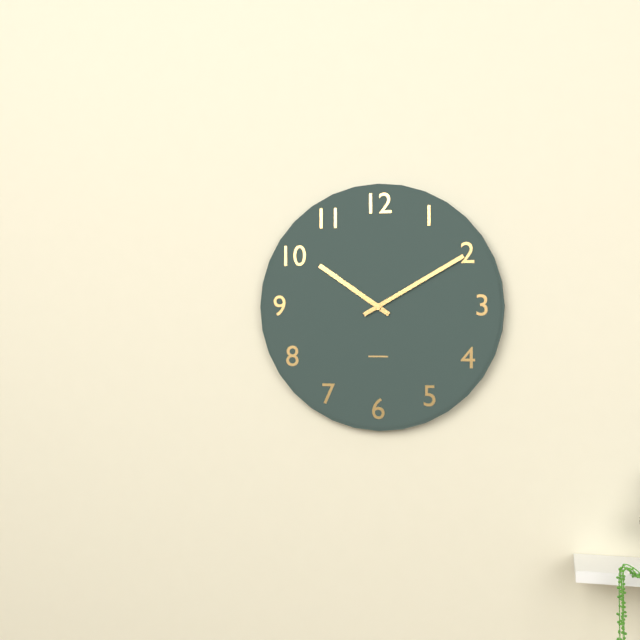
10:10
